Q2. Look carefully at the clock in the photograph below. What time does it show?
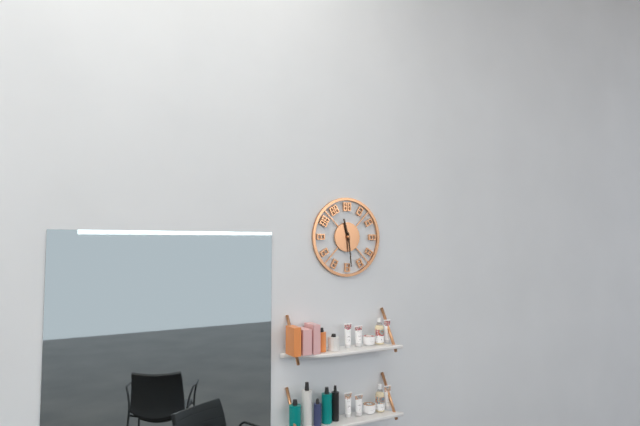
11:29
